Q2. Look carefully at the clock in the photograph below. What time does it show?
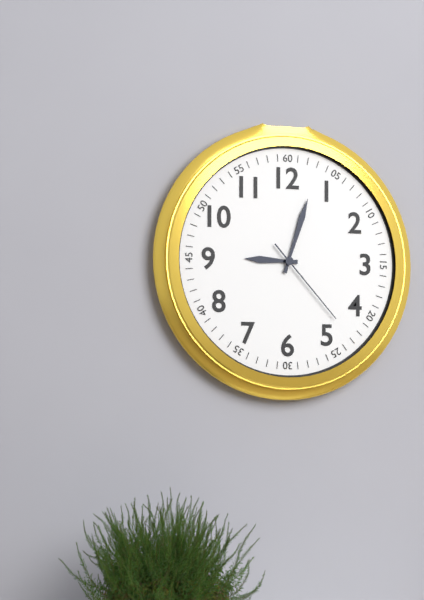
9:03:23
